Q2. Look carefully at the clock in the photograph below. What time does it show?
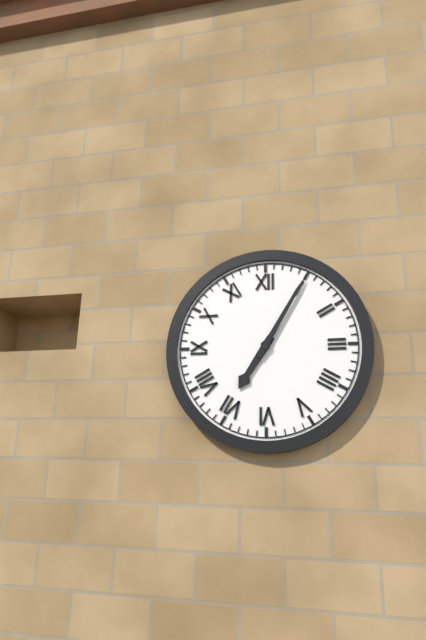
7:05
